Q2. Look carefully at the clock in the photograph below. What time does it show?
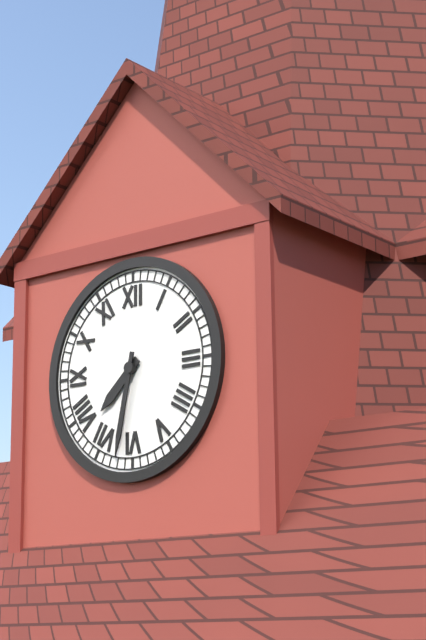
7:32
